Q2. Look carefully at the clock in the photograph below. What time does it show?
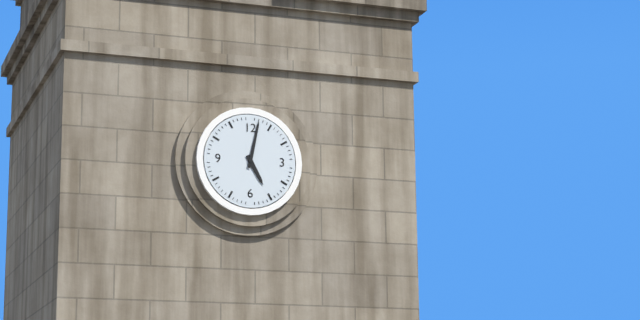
5:02
